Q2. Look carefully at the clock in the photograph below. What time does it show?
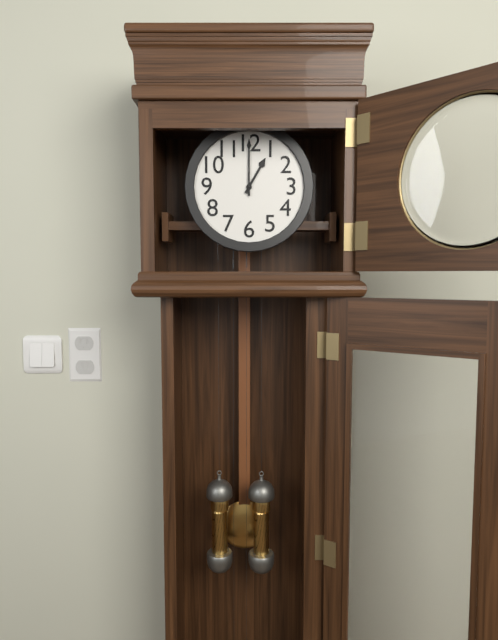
1:00
